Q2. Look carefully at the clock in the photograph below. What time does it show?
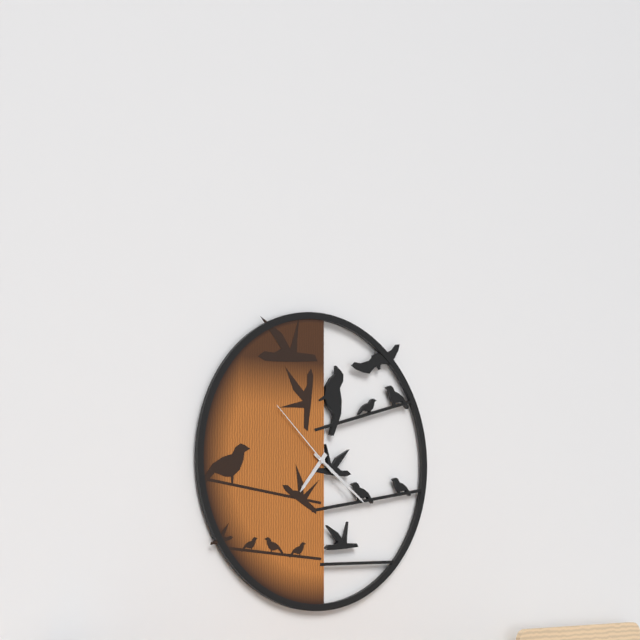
7:21:52
